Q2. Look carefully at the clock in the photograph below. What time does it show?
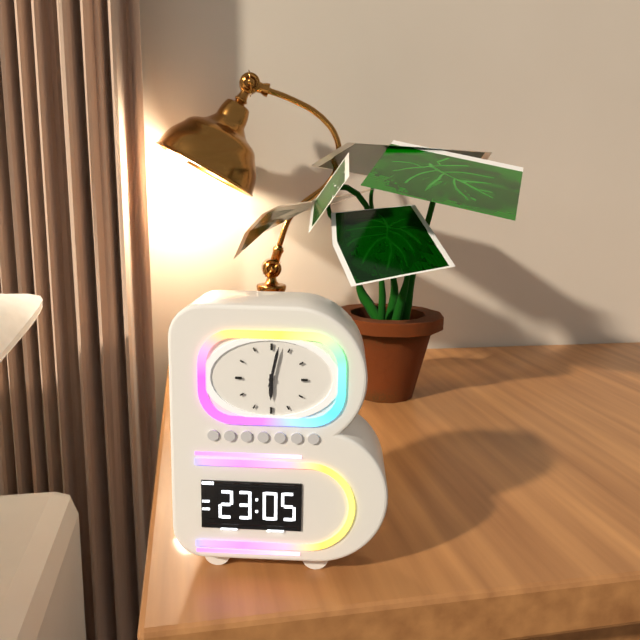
6:02
